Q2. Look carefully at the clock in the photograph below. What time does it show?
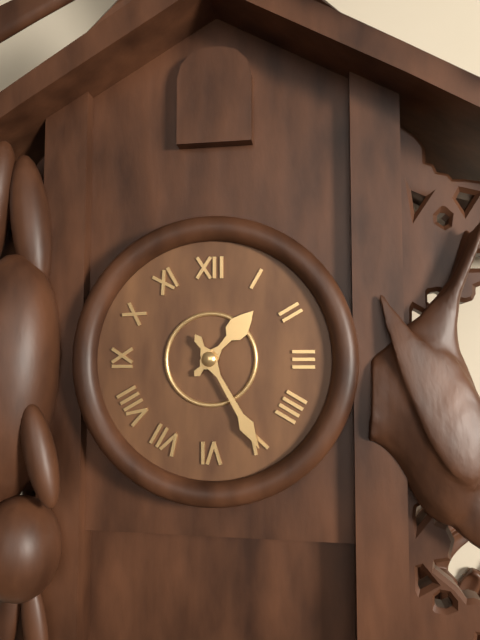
1:25
